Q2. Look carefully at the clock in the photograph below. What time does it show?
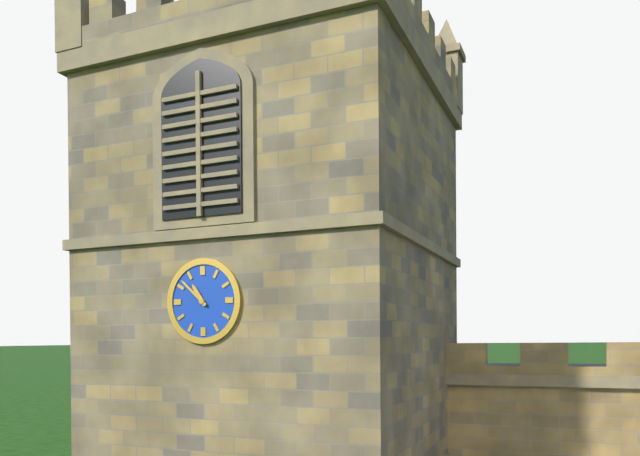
10:52
